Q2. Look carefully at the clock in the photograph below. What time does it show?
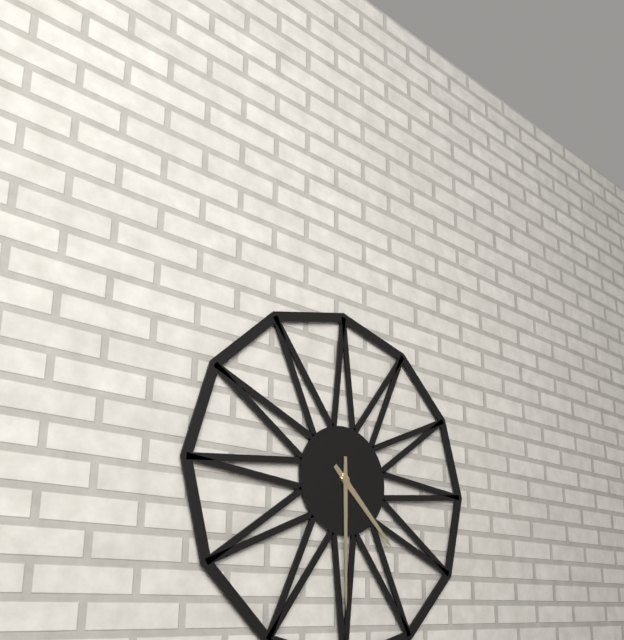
4:30
